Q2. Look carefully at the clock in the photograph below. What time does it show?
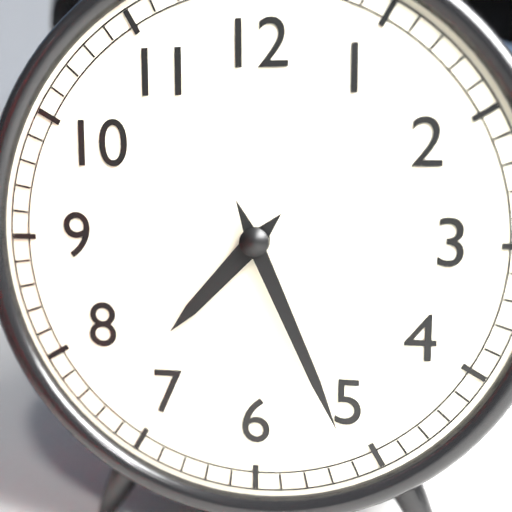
7:26
